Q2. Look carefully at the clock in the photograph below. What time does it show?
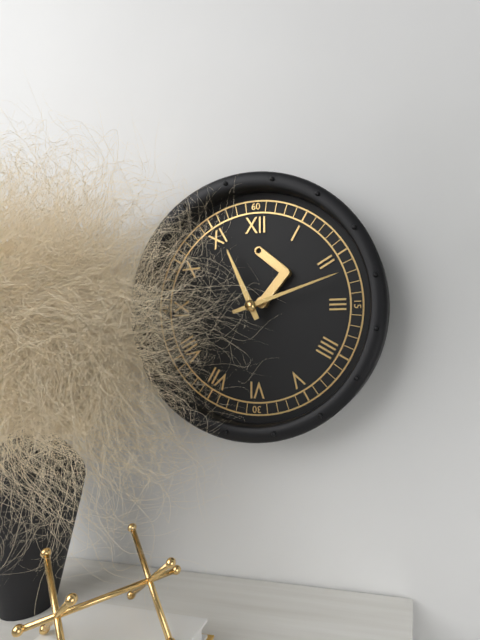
11:12
